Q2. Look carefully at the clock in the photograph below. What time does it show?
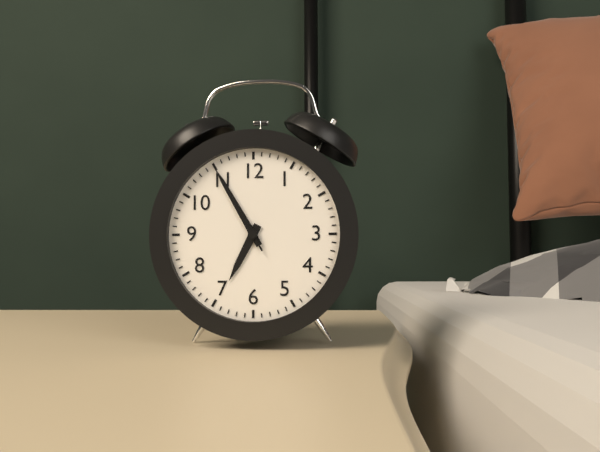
6:55:55
